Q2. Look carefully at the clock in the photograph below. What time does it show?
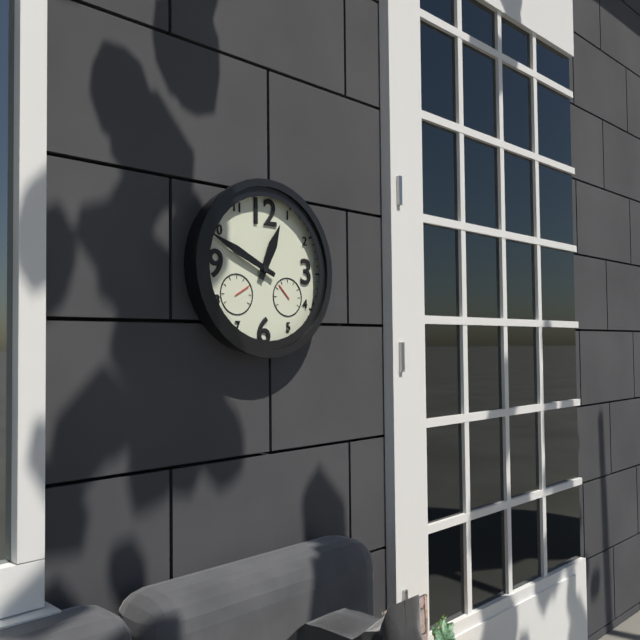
12:49
